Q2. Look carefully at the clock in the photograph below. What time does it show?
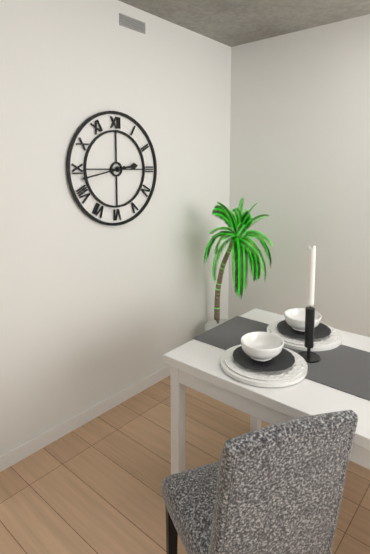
2:43
